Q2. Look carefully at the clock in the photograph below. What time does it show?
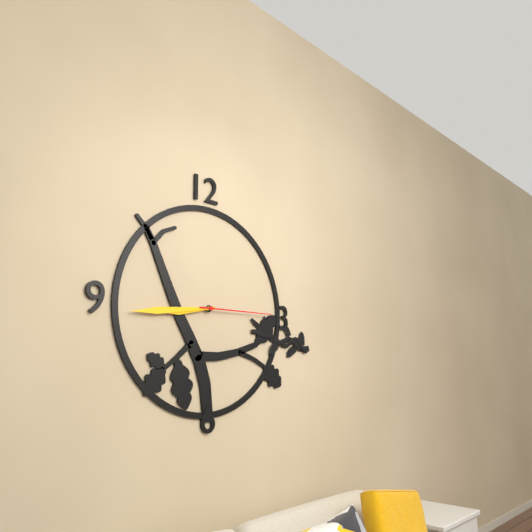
8:44:15
